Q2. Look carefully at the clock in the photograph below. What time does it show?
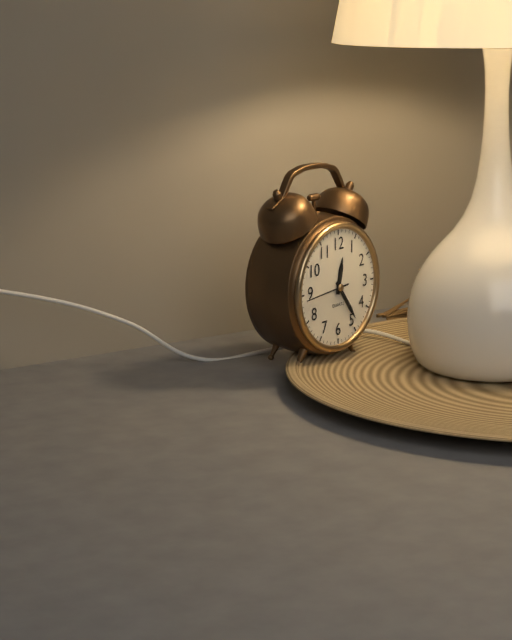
12:24
